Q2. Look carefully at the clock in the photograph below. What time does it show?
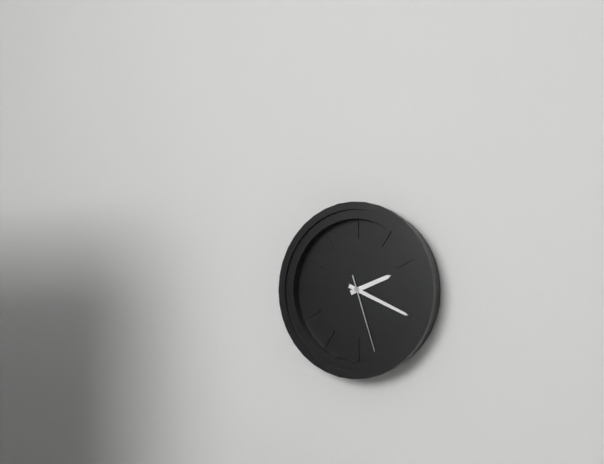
2:19:27
